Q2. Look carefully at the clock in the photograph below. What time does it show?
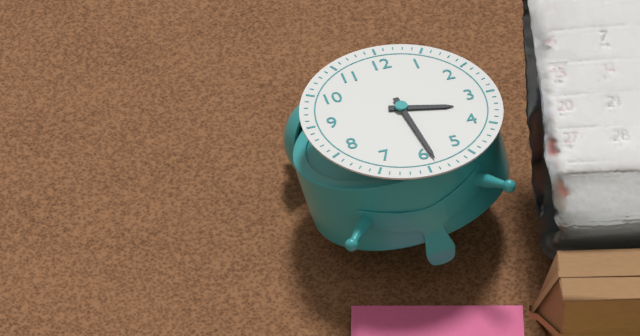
3:29
